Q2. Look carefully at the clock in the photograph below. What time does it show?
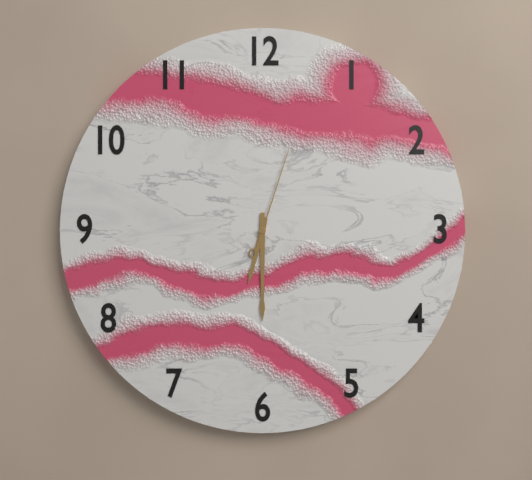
6:30:03
